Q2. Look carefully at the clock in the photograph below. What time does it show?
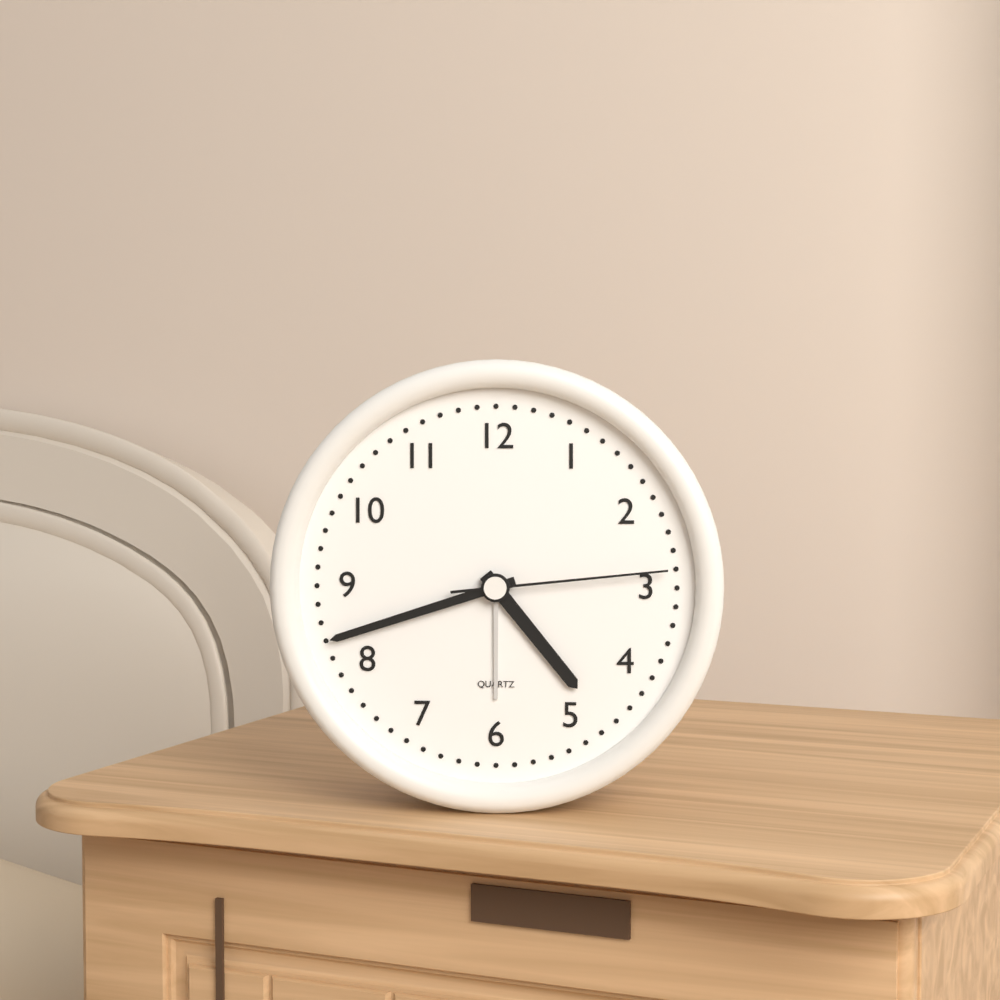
4:42:14
